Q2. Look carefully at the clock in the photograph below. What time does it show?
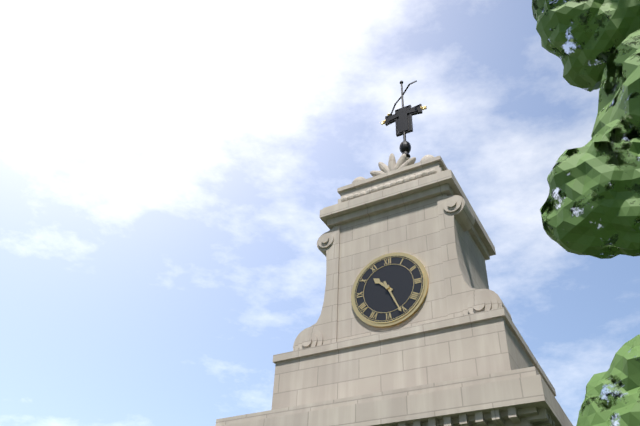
10:26
